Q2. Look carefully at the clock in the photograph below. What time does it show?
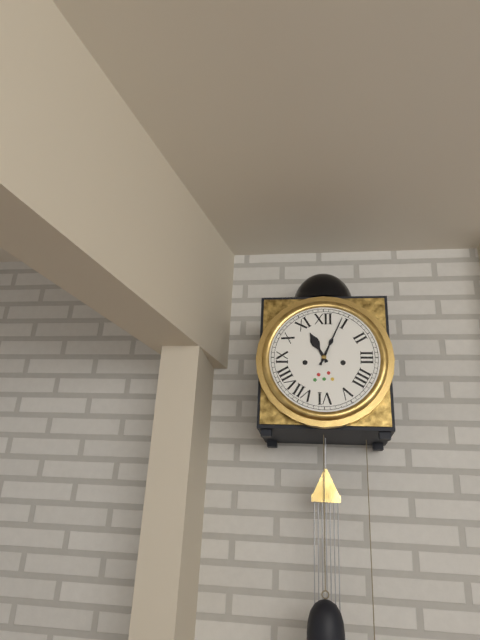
11:04
